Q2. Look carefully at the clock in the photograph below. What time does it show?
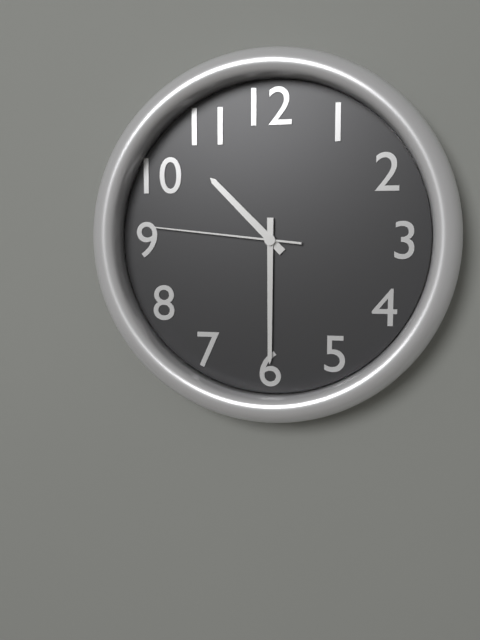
10:30:46
